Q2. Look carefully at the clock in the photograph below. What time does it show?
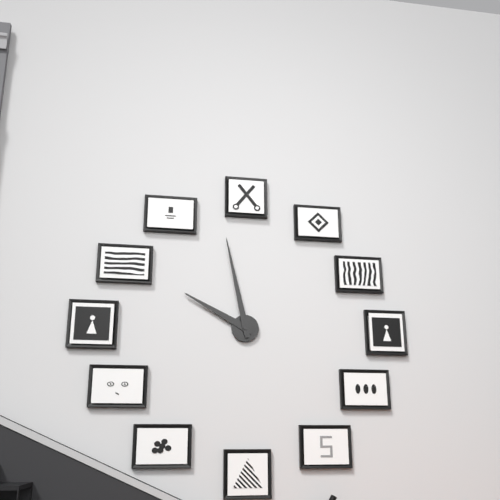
9:58
